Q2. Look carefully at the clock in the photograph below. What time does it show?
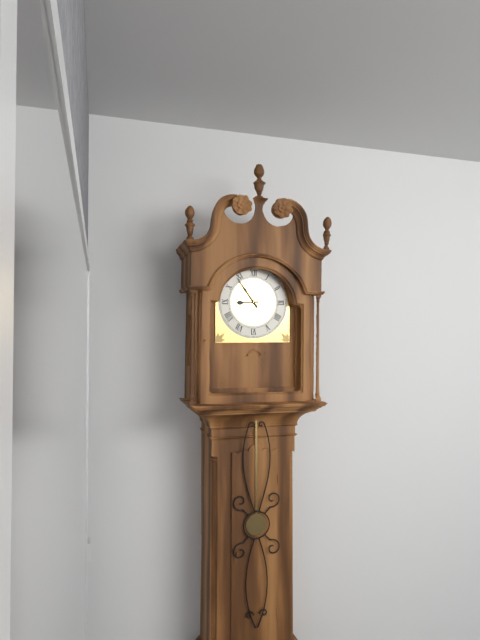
8:54
